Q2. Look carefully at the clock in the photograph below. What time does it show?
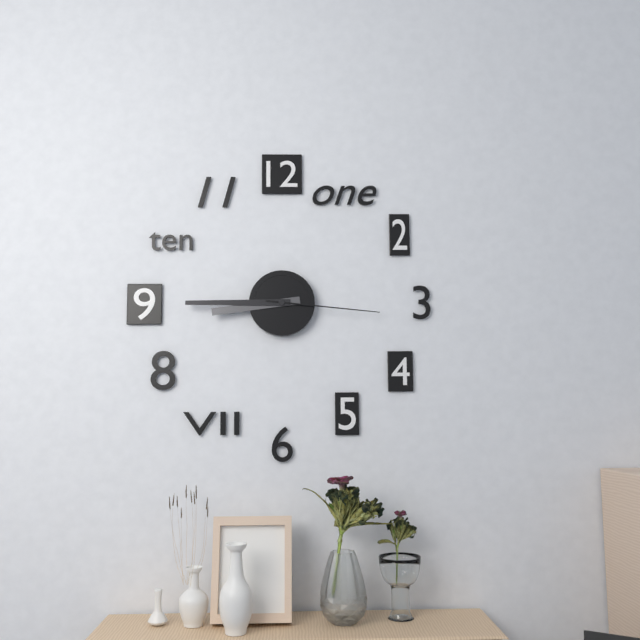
8:45:16
